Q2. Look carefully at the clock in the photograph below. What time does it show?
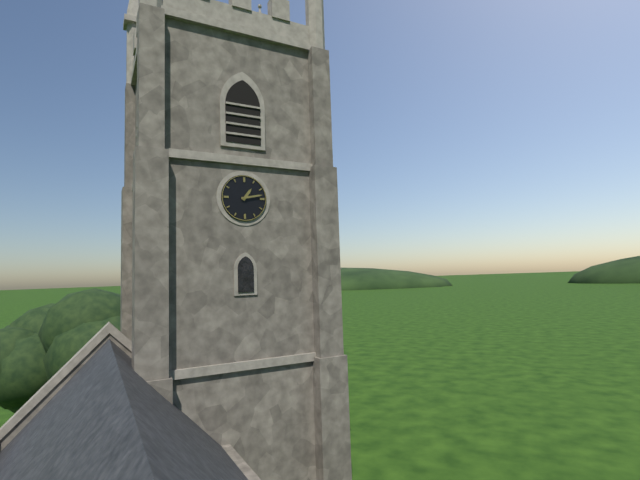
1:13
